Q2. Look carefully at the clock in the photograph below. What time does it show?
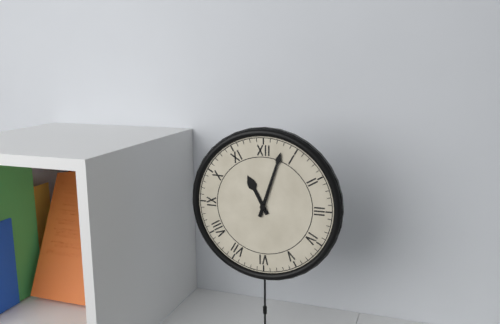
11:03
